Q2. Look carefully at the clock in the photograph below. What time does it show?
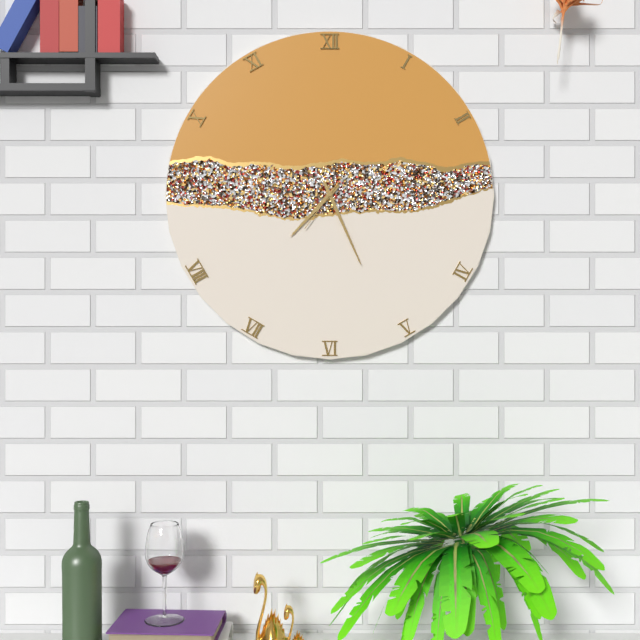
7:26:36
